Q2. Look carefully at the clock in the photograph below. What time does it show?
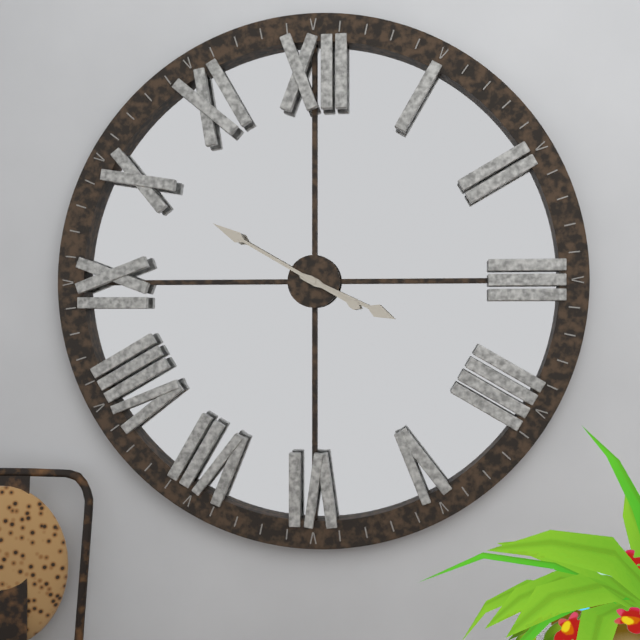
3:50
